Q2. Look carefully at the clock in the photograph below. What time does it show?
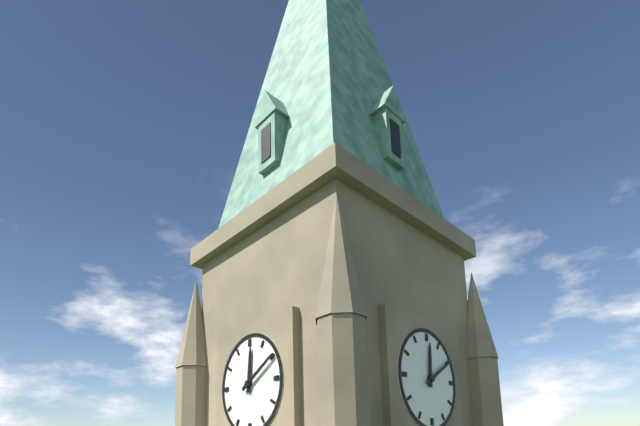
12:10
